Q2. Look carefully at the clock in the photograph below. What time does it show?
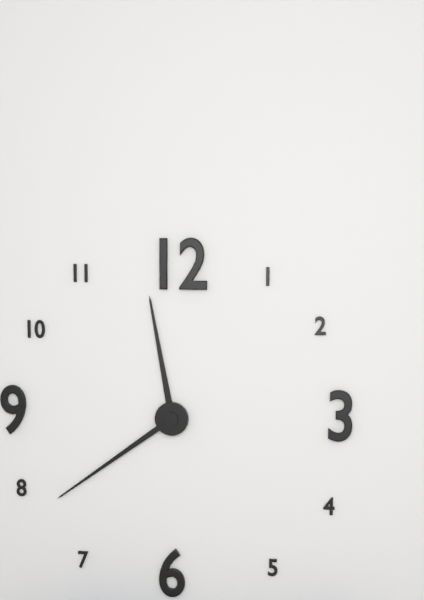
11:39
